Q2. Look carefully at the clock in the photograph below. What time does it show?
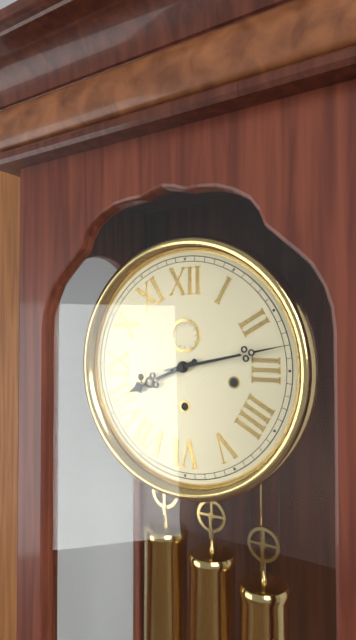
8:13
